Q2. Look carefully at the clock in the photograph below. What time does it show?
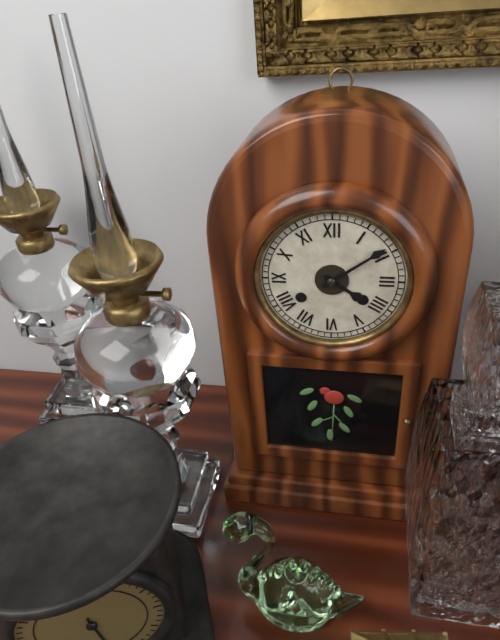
4:09
